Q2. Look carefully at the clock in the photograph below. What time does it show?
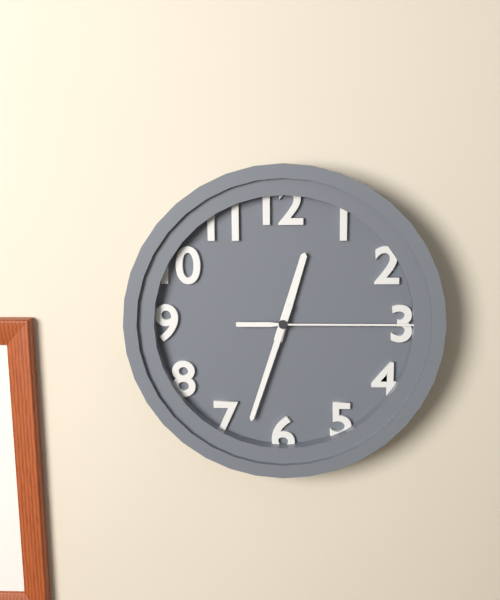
12:33:15
